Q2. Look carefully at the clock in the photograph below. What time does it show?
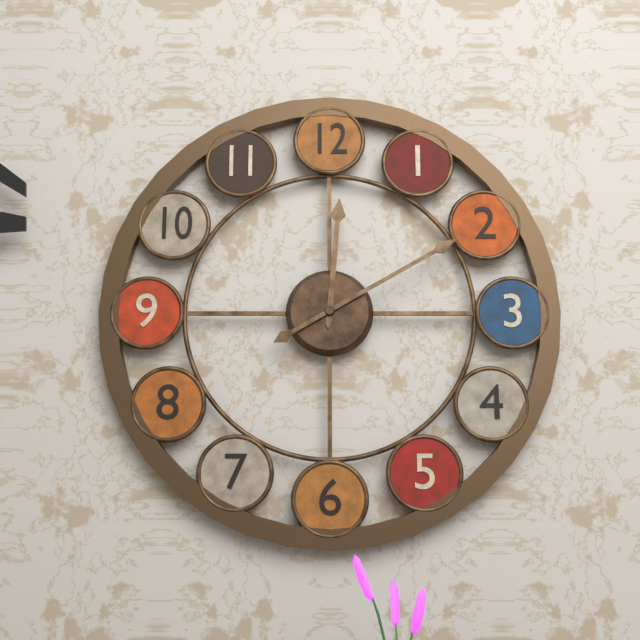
12:10
